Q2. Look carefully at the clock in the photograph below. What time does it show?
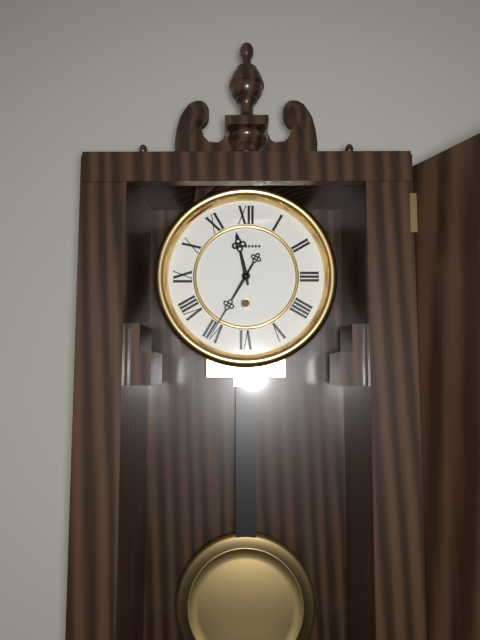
11:35
